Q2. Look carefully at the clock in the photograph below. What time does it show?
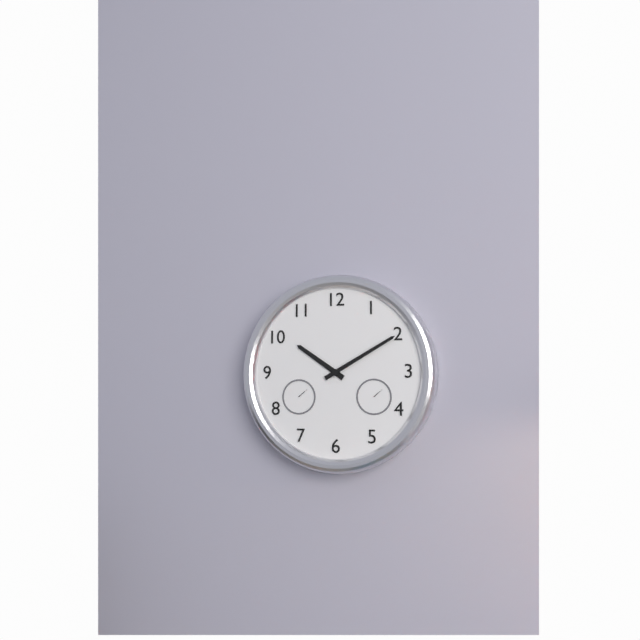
10:10
